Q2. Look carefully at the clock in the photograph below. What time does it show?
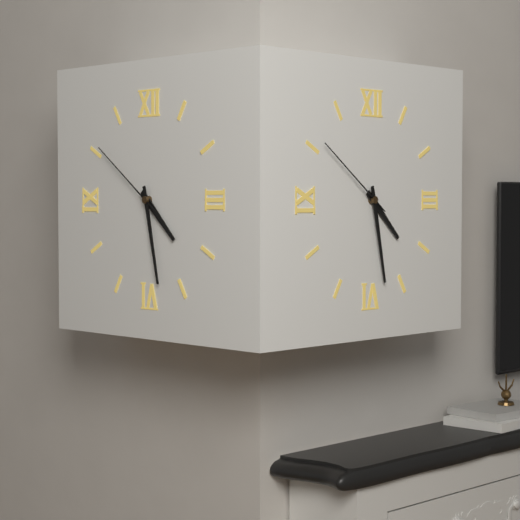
4:28:51
